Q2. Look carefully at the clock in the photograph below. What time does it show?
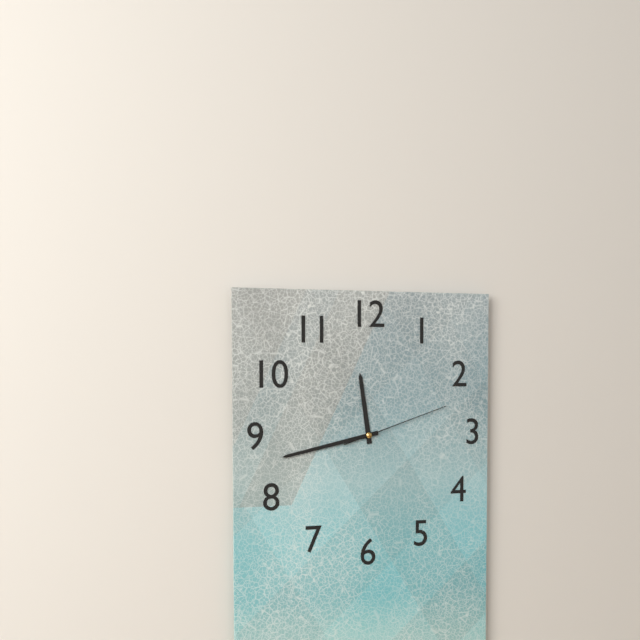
11:43:12
